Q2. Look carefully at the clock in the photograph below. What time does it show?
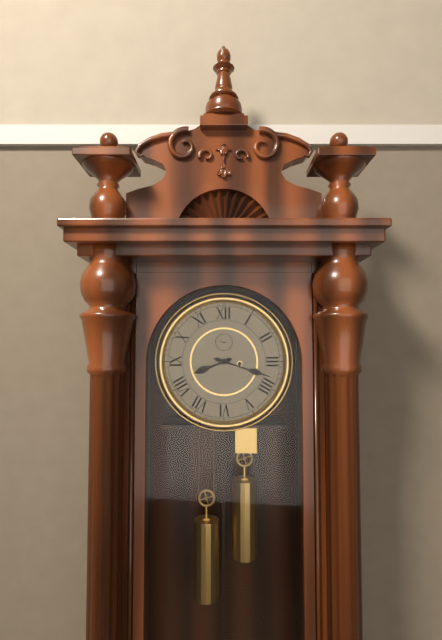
8:18
